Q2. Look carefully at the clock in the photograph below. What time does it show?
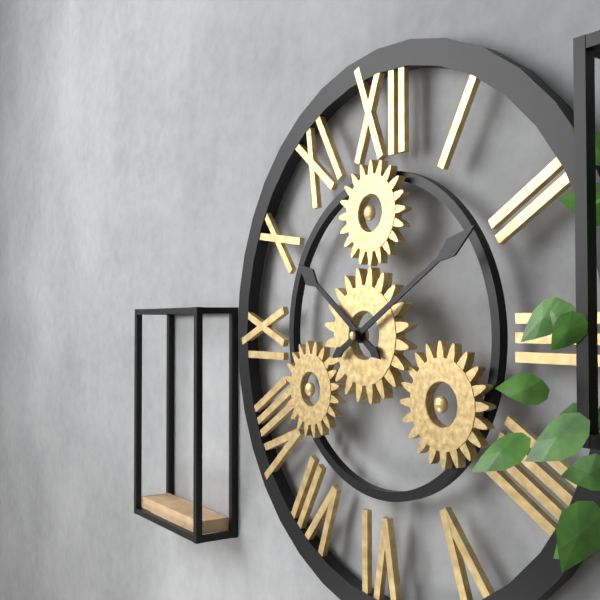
10:10
